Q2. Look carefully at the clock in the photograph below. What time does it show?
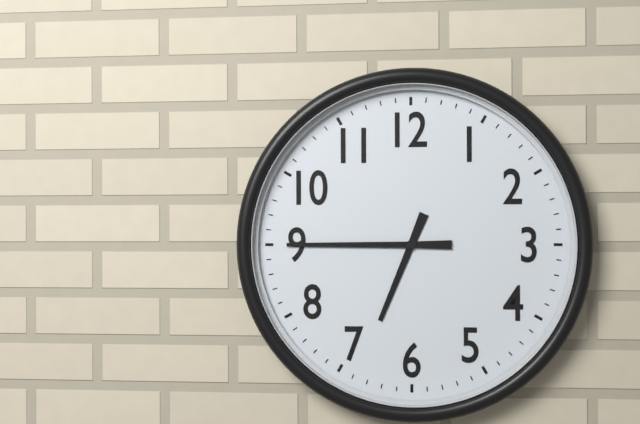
6:45
